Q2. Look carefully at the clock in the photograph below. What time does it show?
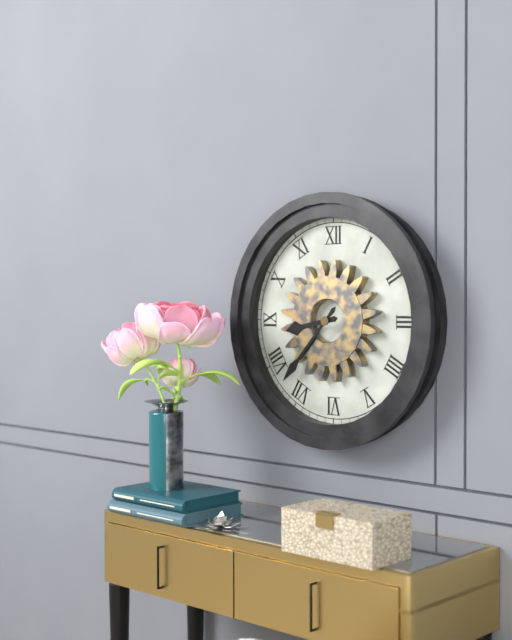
8:37
